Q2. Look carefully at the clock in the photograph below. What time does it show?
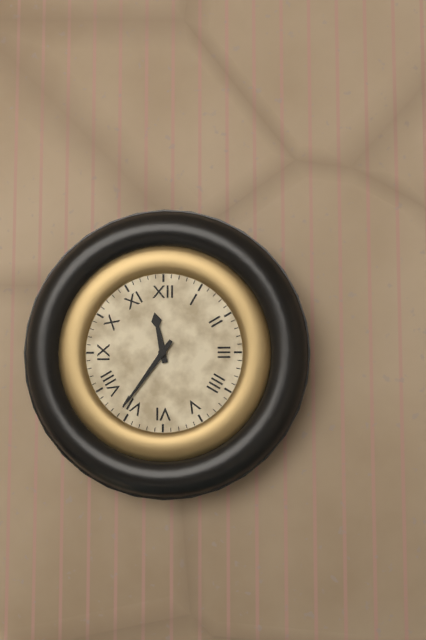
11:36
